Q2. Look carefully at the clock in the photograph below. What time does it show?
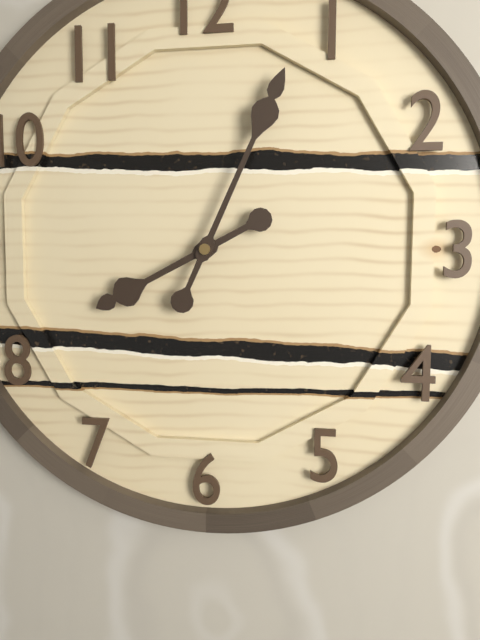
8:04
